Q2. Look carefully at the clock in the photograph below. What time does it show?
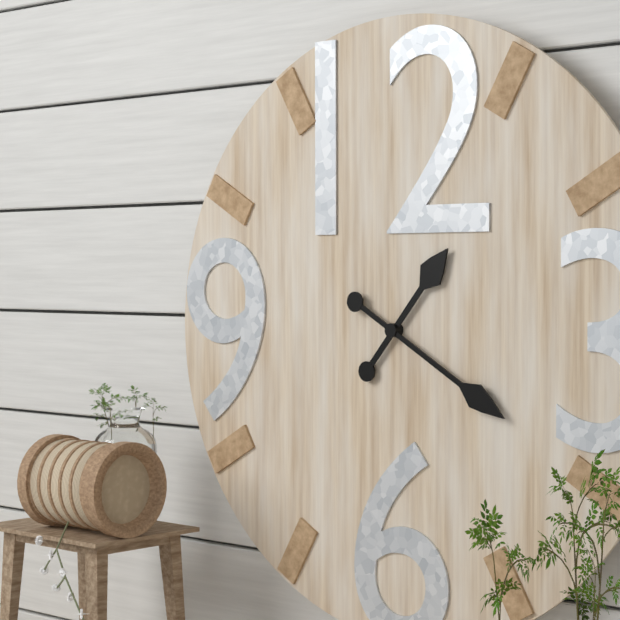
1:20
